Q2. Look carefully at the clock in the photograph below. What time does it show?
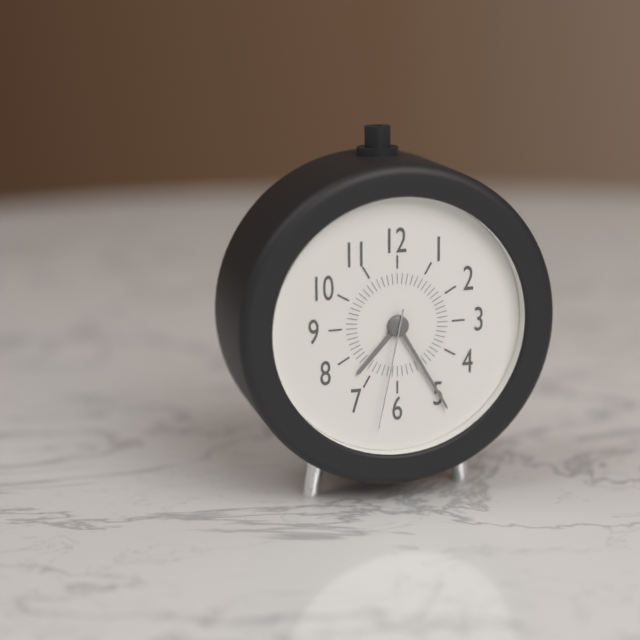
7:25:32
